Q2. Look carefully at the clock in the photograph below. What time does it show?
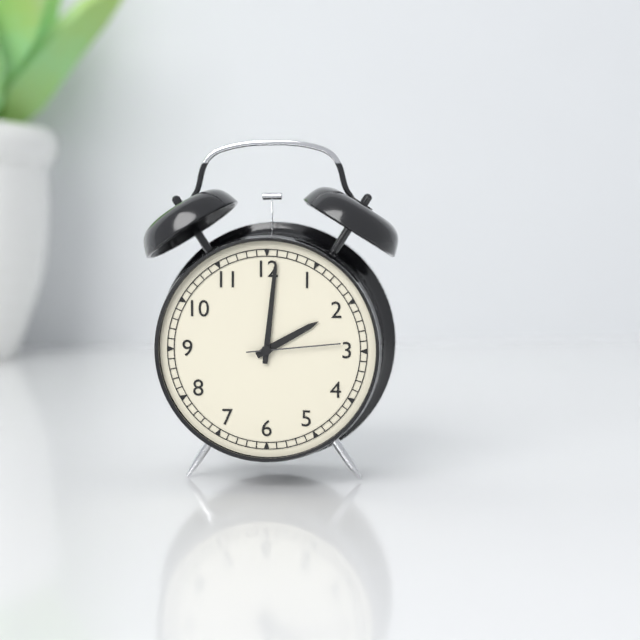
2:01:14
